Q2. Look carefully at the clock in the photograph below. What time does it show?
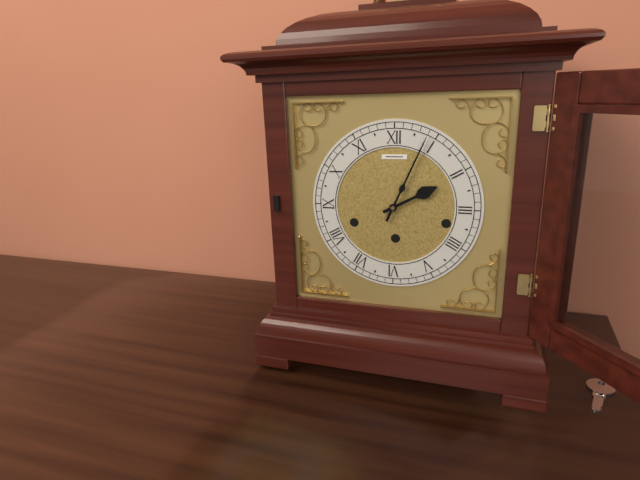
2:04
